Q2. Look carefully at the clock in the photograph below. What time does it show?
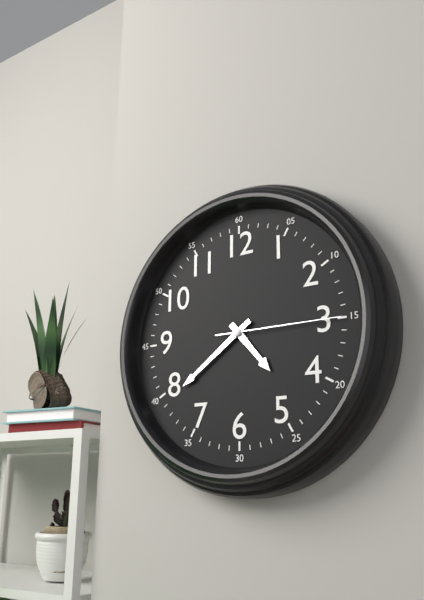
4:39:15
